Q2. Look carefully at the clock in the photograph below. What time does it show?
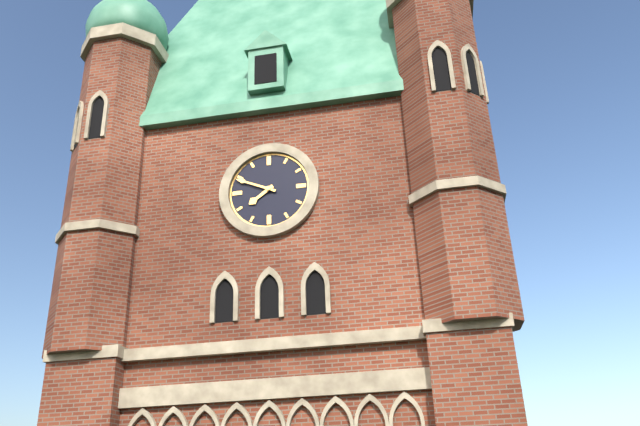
7:49
